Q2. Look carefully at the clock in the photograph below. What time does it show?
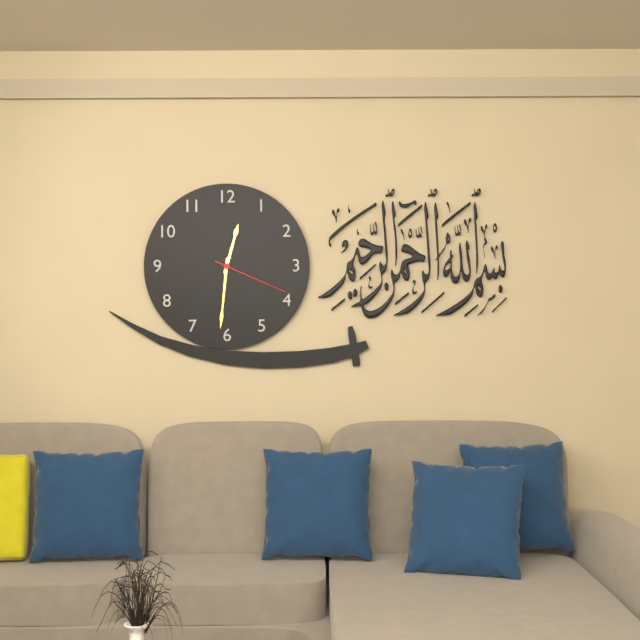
12:31:19
